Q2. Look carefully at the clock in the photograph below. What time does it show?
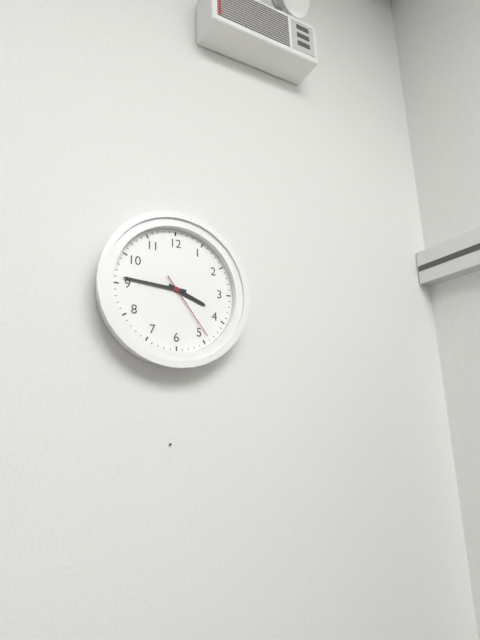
3:46:24
